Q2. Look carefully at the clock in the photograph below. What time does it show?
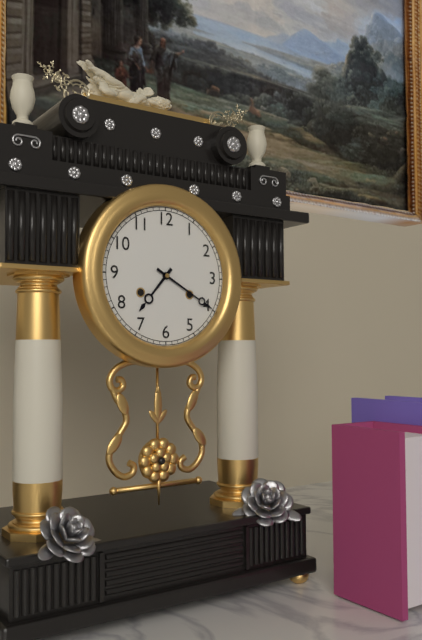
7:20
